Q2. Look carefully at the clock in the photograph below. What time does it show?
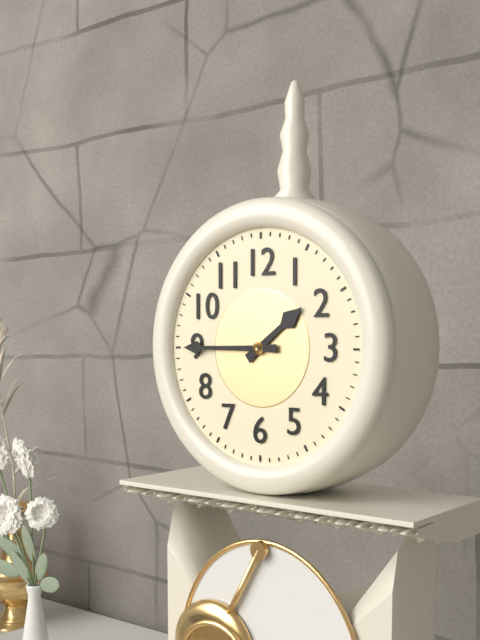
1:45
